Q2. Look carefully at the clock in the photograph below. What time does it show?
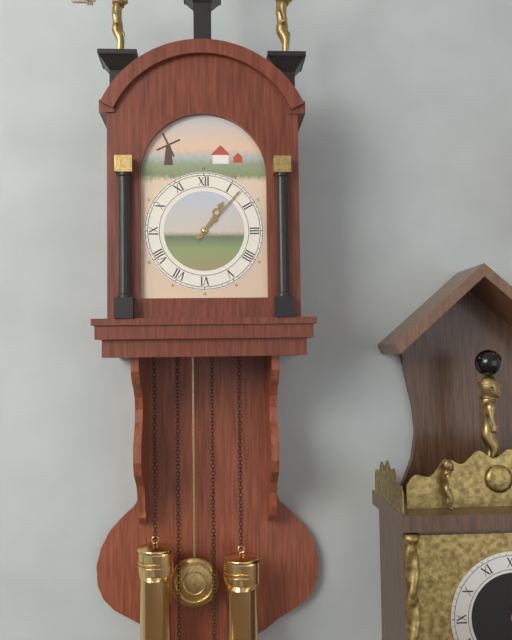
1:07
